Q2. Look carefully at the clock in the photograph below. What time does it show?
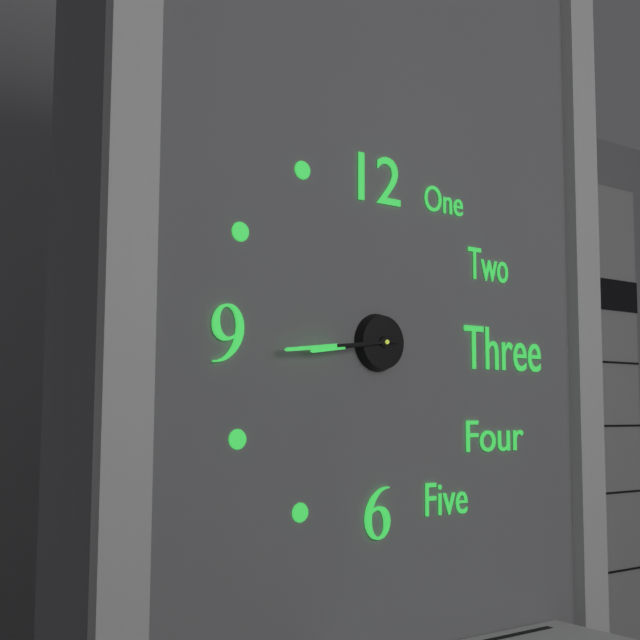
8:44
